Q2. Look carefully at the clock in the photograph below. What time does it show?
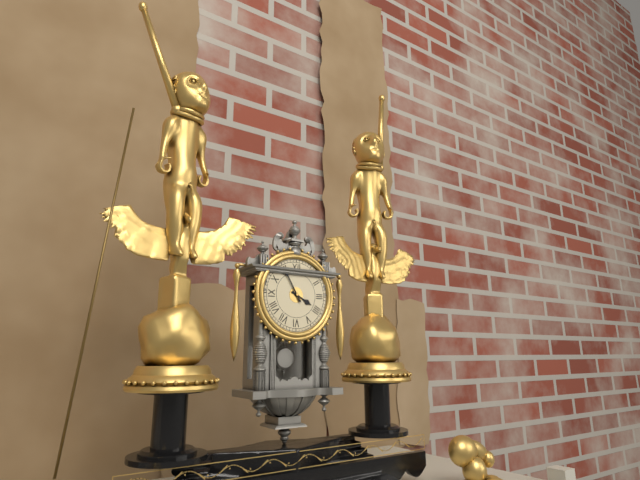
3:55
